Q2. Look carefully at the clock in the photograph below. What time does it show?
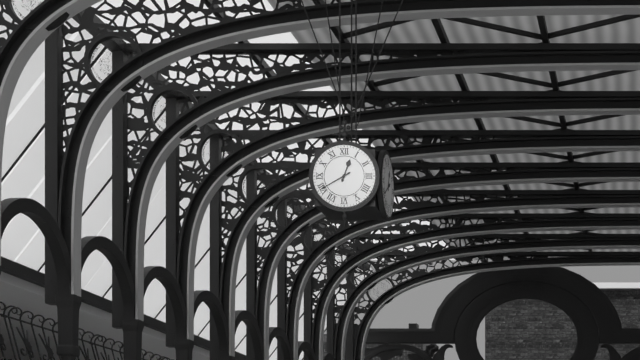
12:40
